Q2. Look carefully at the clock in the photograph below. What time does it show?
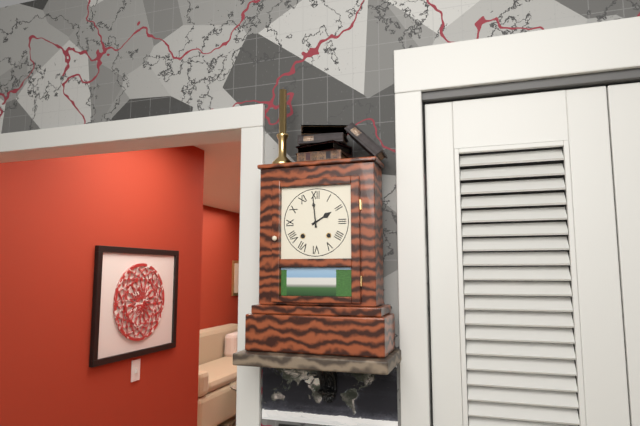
1:59
